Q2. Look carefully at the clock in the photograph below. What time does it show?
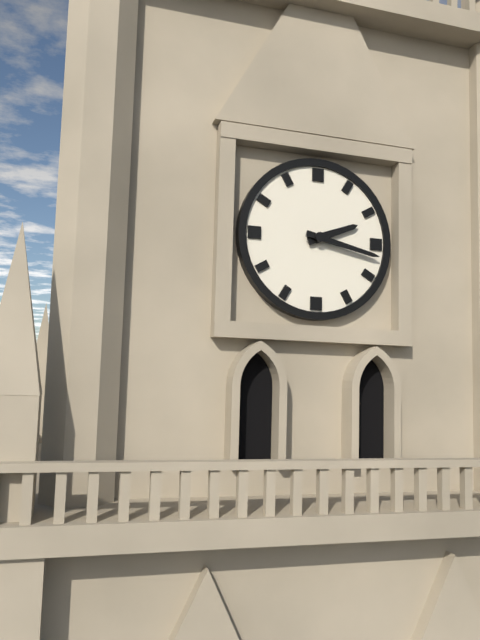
2:17
